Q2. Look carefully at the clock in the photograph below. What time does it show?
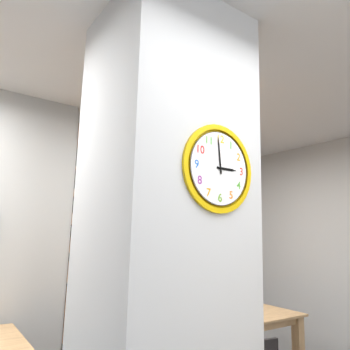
2:59
